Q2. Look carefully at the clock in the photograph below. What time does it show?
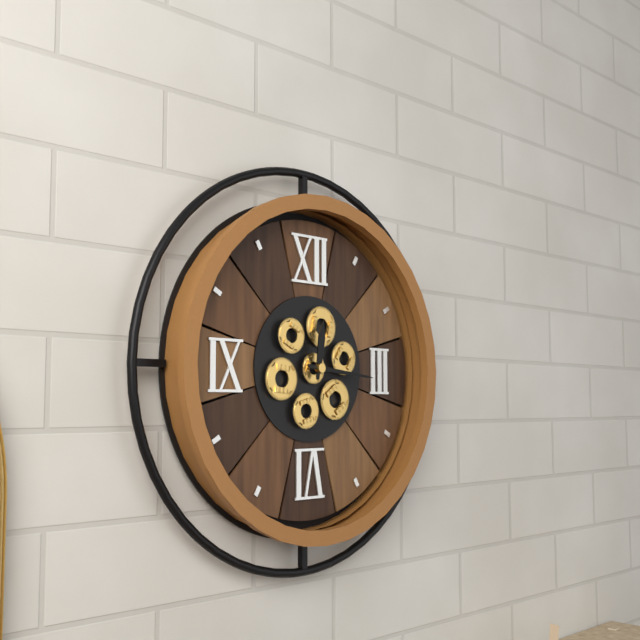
12:16
